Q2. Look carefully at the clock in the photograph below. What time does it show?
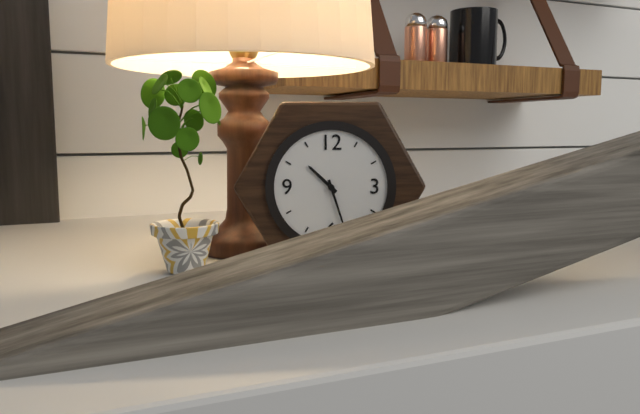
10:27
